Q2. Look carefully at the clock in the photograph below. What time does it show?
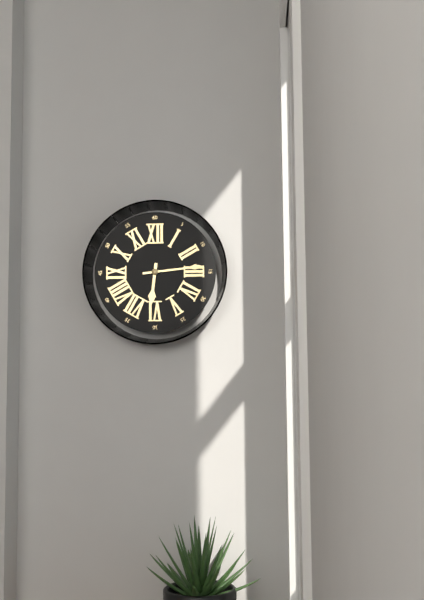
6:14
